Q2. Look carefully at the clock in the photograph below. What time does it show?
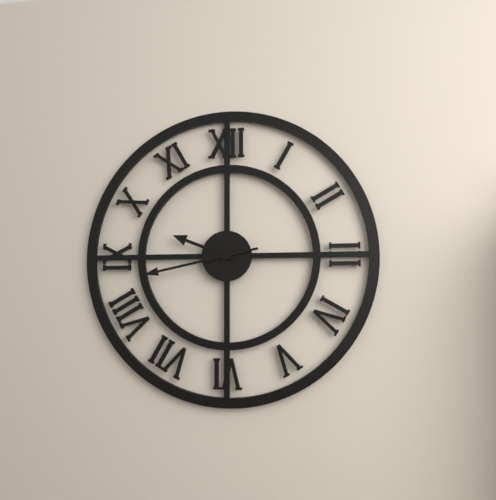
9:43
